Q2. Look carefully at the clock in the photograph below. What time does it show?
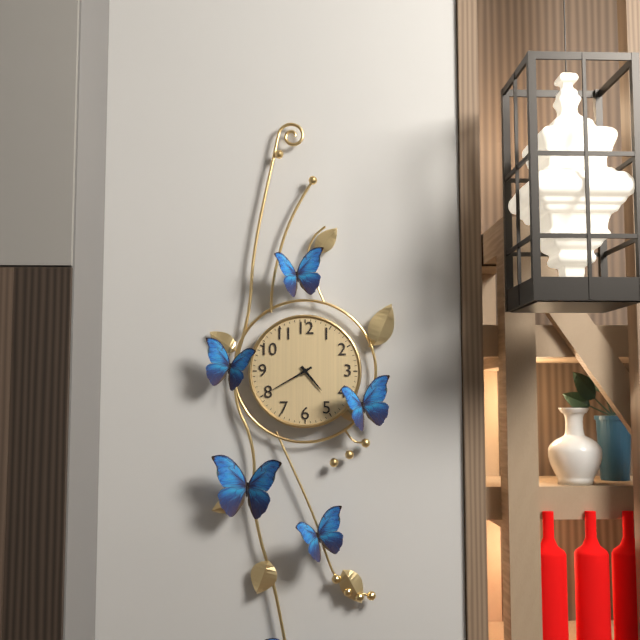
4:40
